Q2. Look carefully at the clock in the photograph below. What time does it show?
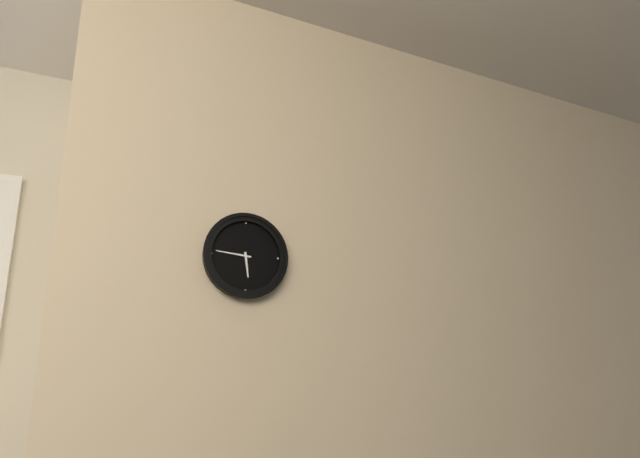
5:46
